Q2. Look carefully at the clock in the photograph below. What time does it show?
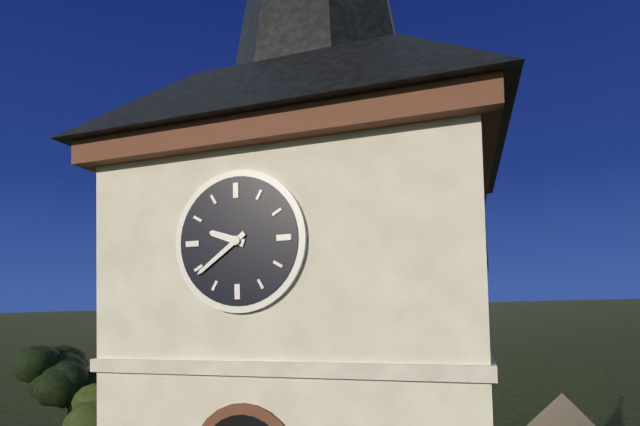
9:39
